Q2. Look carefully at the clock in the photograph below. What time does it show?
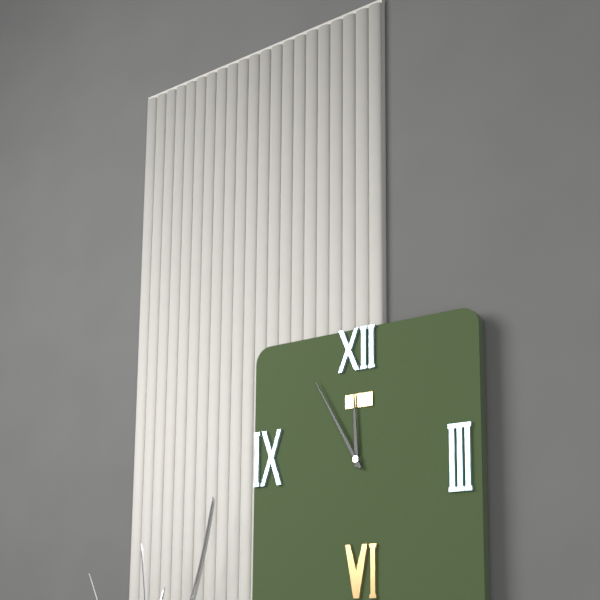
11:55
